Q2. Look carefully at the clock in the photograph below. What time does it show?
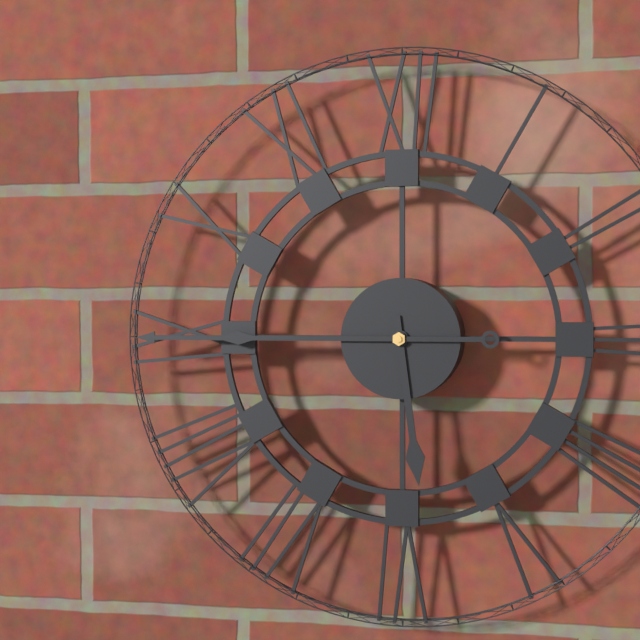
5:45
